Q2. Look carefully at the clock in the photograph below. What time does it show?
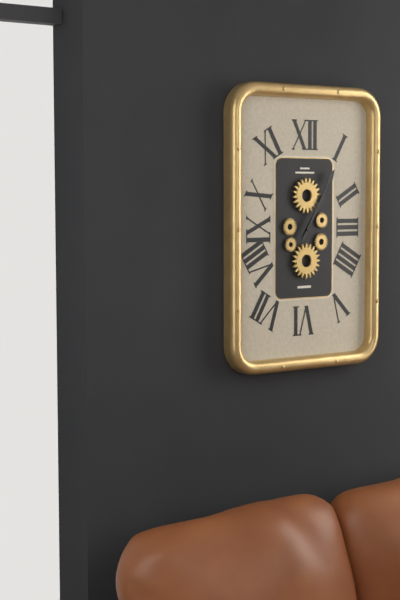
1:05
